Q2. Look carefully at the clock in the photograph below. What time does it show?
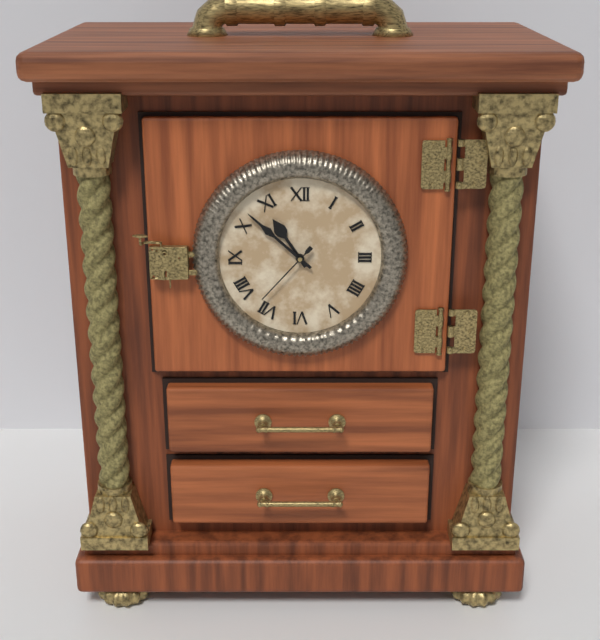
10:52:37
